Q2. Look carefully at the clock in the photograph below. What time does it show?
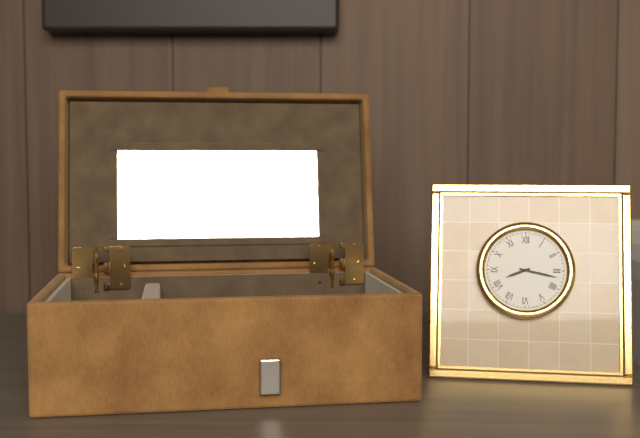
8:17
